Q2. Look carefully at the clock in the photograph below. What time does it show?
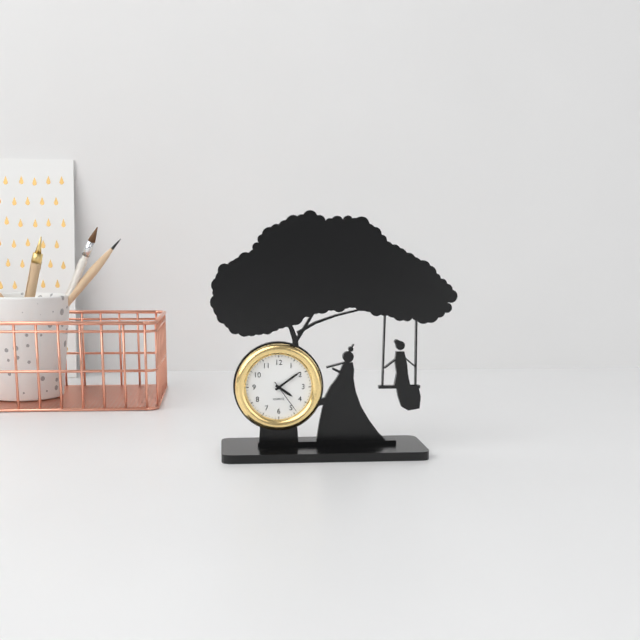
4:09
